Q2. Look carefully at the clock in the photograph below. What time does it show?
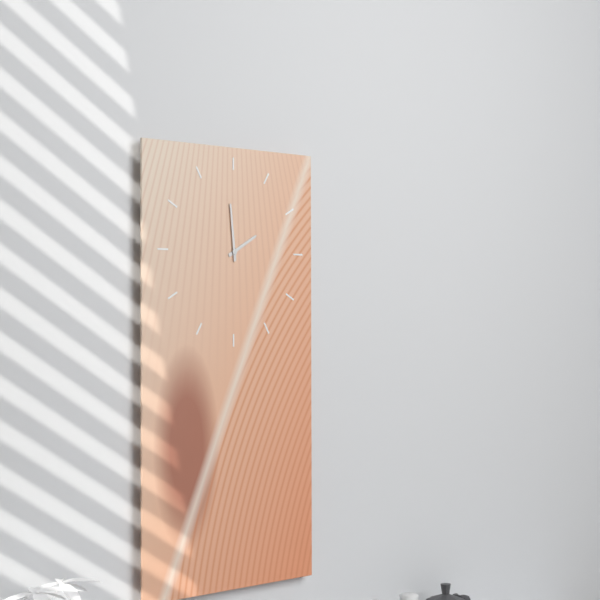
1:59
